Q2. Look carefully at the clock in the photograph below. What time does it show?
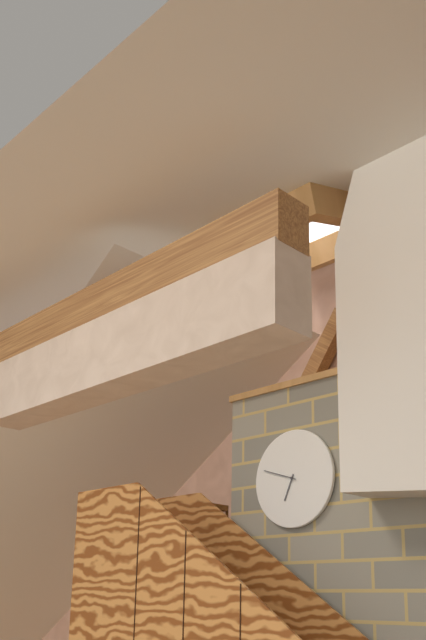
6:48
